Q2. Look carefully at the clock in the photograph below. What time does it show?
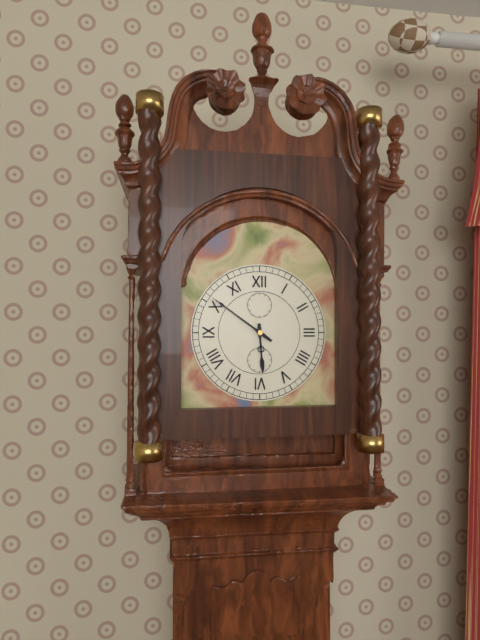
5:51
